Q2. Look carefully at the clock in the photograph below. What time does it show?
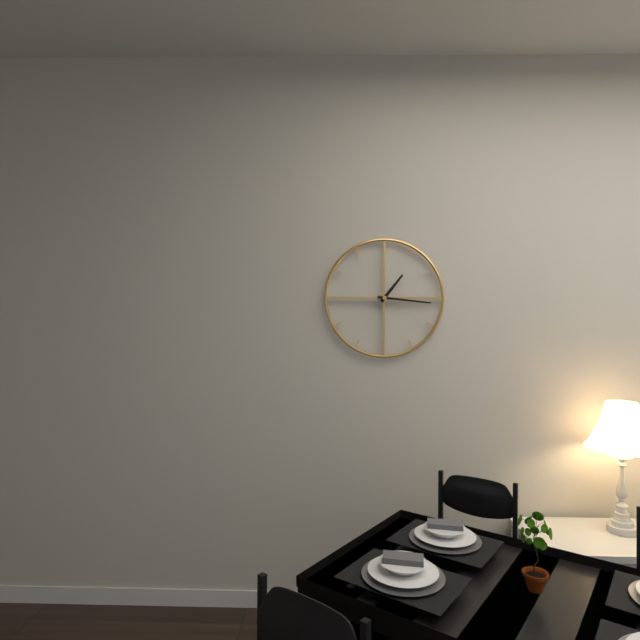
1:16
